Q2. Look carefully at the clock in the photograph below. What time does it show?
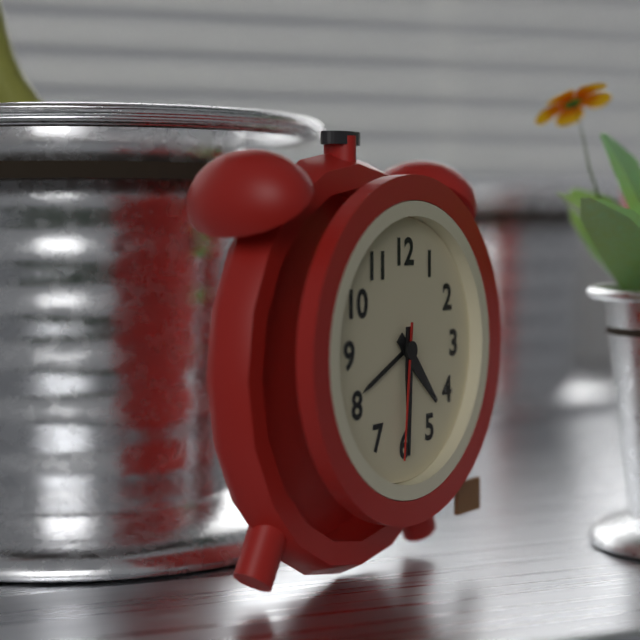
4:30:31
